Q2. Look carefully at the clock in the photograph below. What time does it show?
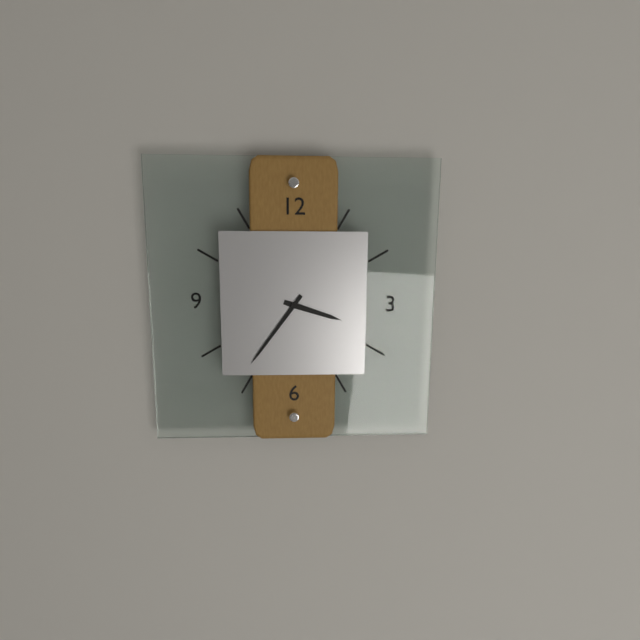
3:36
